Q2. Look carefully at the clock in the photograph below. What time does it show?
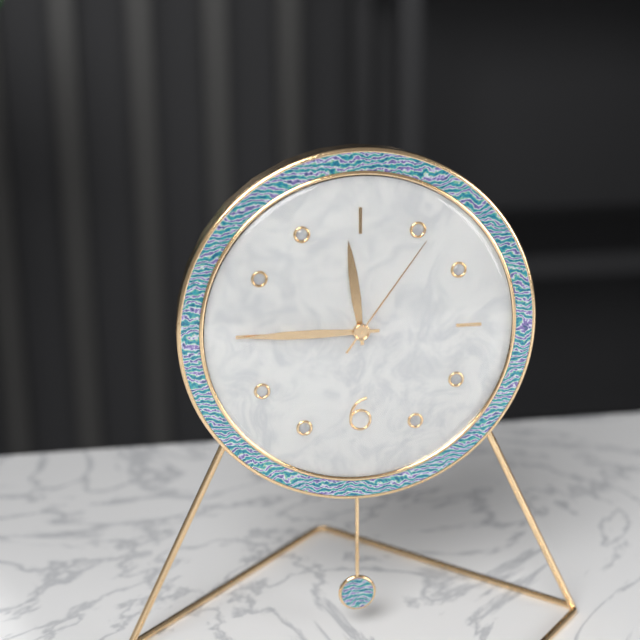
11:45:06
